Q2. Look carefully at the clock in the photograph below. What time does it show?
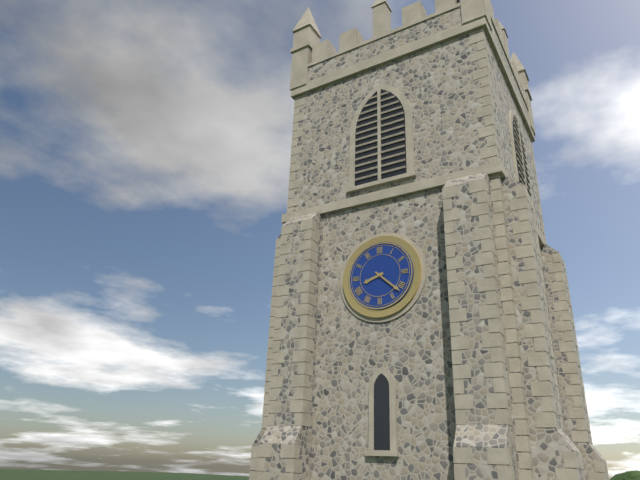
8:22
